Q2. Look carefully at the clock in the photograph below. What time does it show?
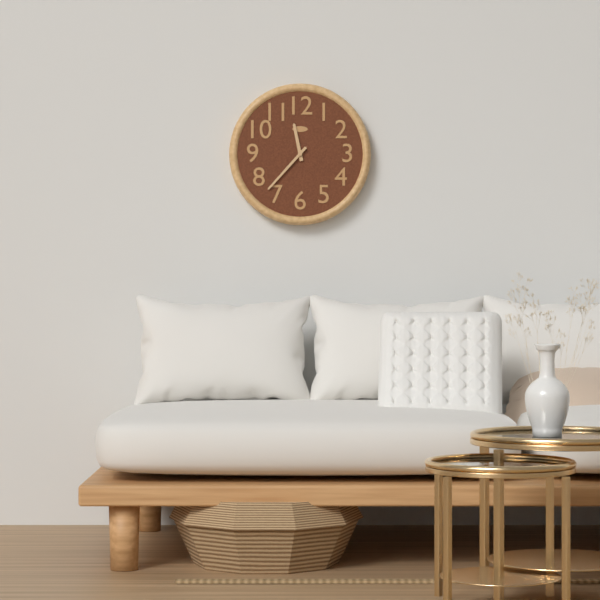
11:37
